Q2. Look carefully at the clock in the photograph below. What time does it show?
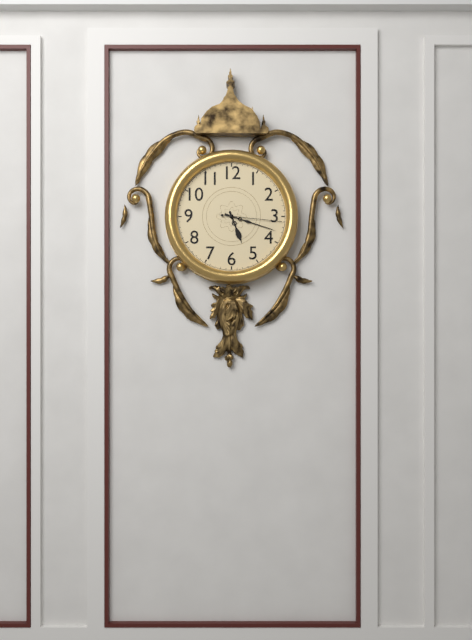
5:18:16
